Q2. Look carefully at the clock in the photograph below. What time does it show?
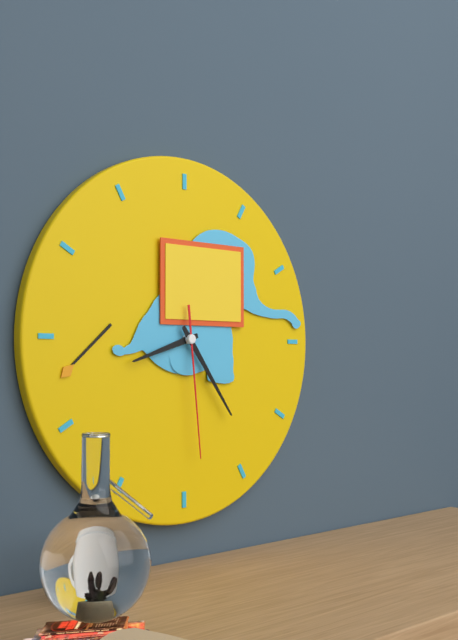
8:24:29
